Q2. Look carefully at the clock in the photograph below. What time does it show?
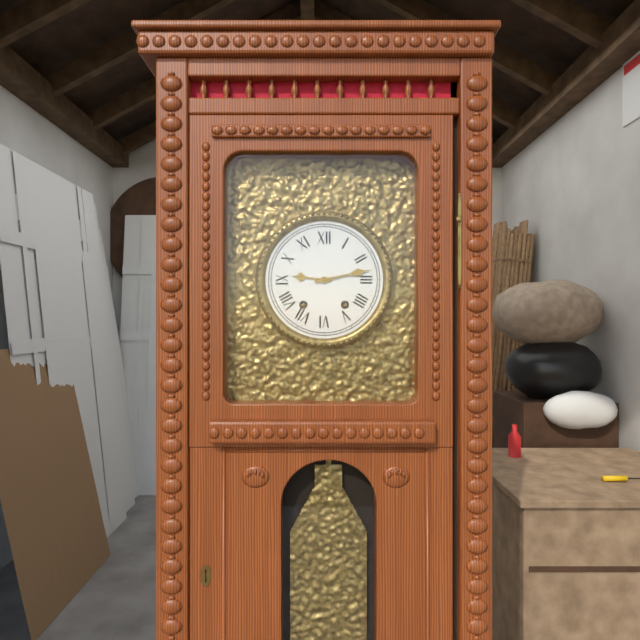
9:13
